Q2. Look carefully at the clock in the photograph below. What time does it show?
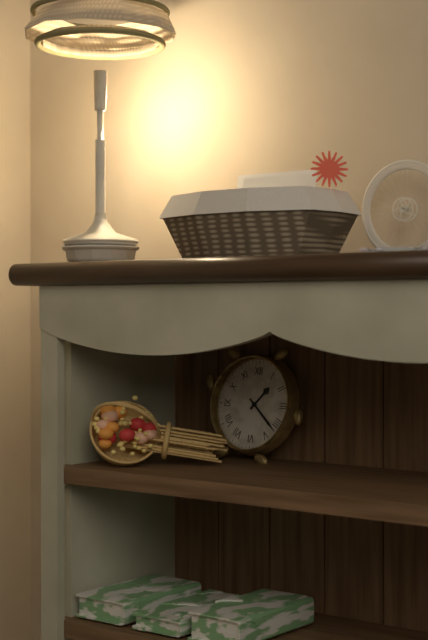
1:22
